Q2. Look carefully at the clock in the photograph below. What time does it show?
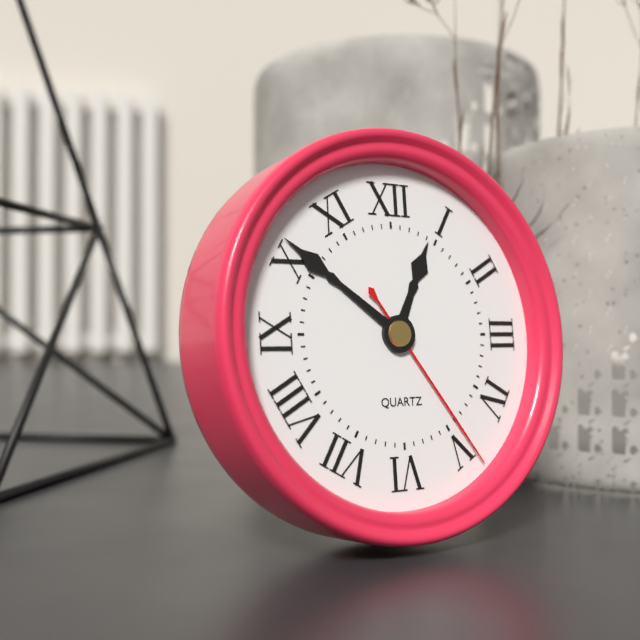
12:51:24
